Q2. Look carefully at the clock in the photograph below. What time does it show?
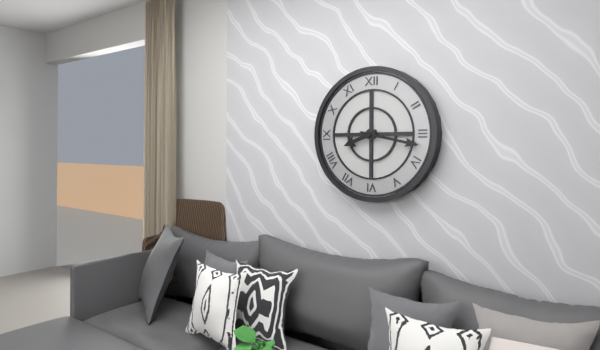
8:17
